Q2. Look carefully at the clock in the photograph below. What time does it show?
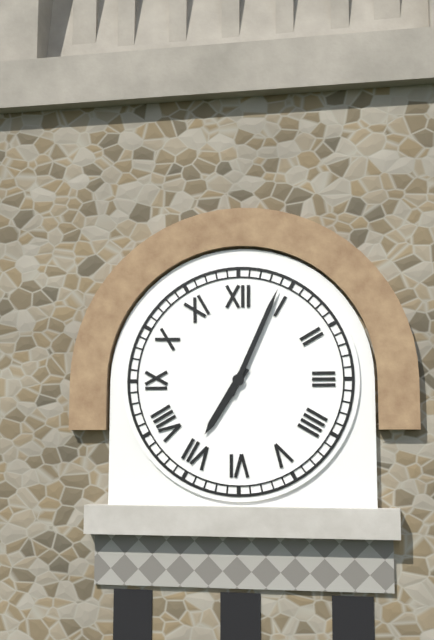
7:04
